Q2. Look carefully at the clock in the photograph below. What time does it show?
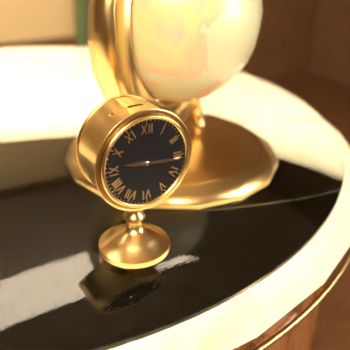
9:16
